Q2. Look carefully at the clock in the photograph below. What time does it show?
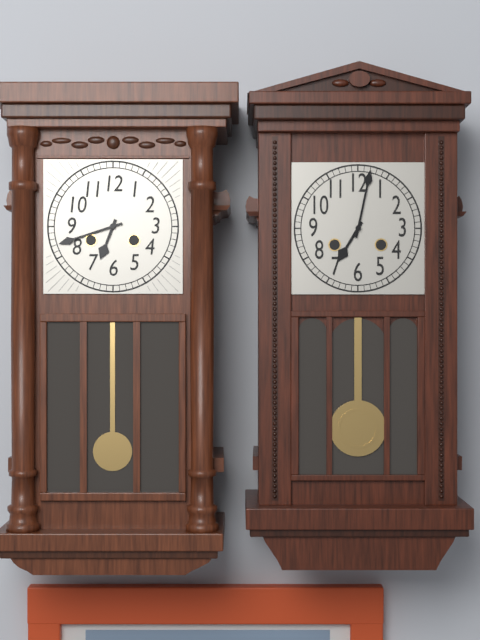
6:42
